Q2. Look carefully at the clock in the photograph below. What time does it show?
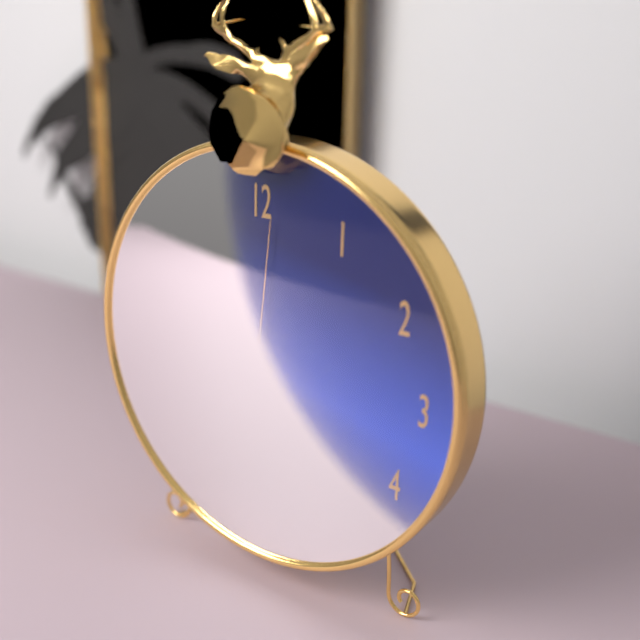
8:49:01
